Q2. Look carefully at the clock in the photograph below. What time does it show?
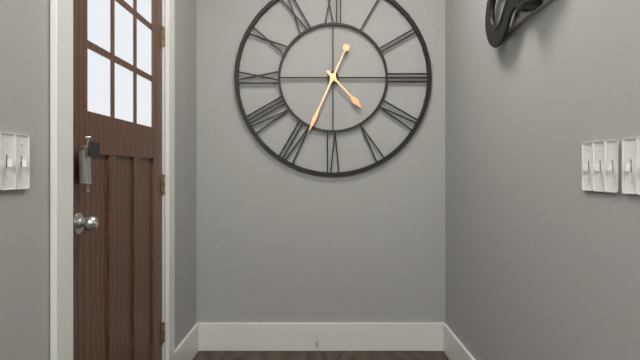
4:34
